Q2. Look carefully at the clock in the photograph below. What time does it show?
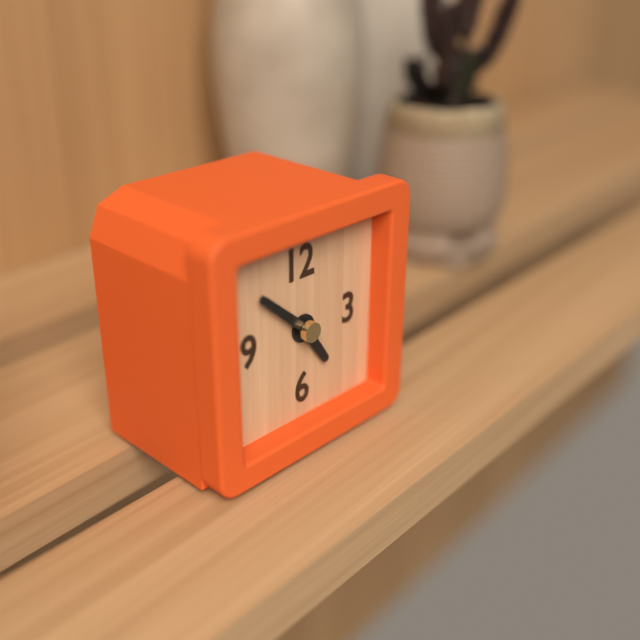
4:52
